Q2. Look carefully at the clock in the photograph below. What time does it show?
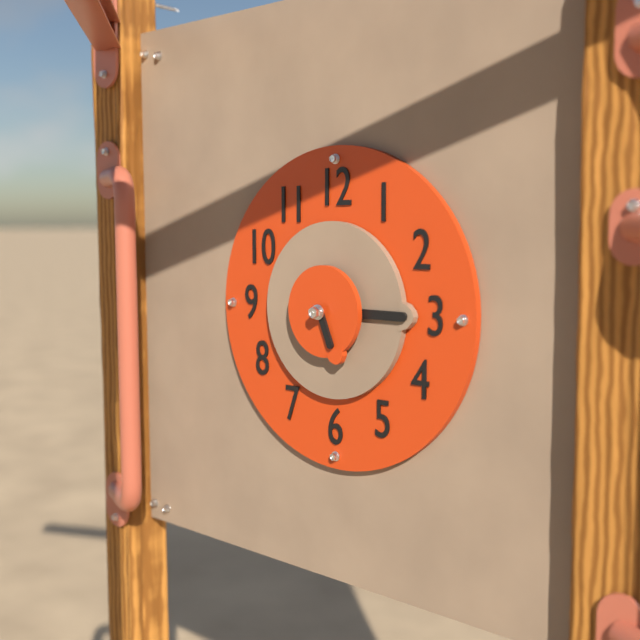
5:15
